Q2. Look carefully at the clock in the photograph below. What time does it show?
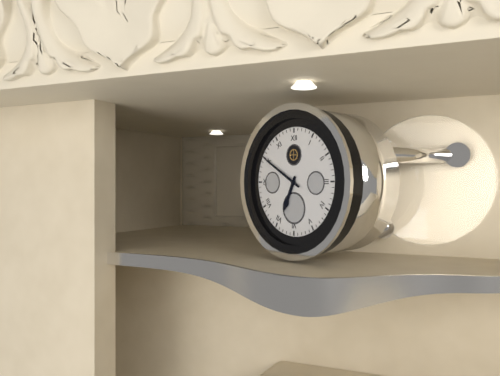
6:50
